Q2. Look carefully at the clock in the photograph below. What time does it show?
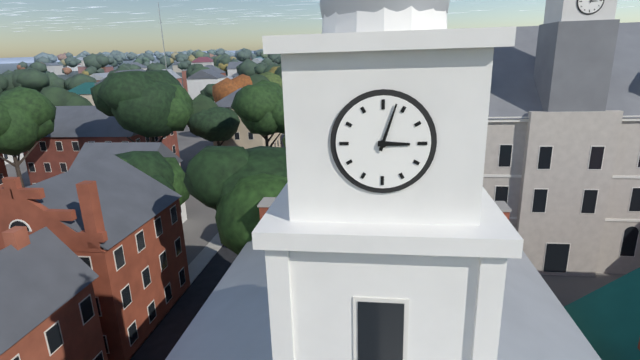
3:03
